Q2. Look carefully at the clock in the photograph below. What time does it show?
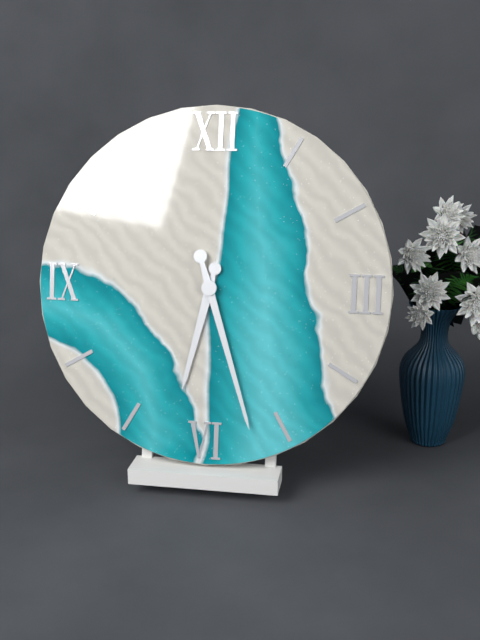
6:27
